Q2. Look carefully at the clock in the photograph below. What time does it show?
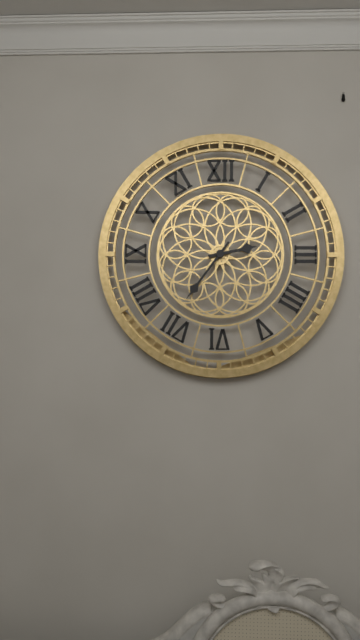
2:36
